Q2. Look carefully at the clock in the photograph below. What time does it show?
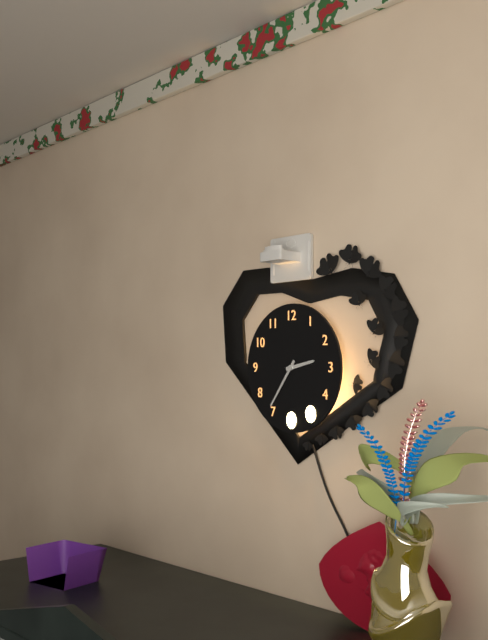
2:36
